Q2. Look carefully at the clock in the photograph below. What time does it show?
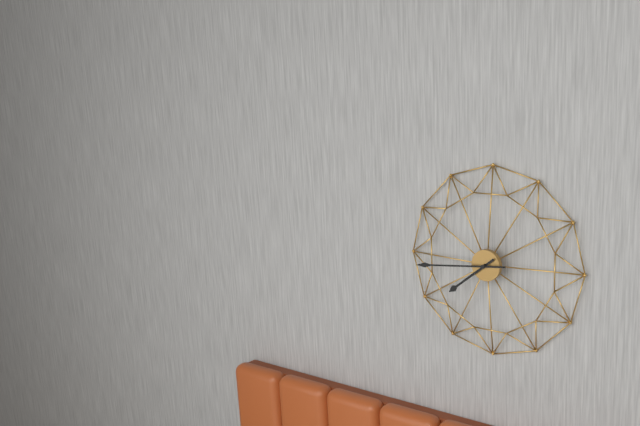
7:44
